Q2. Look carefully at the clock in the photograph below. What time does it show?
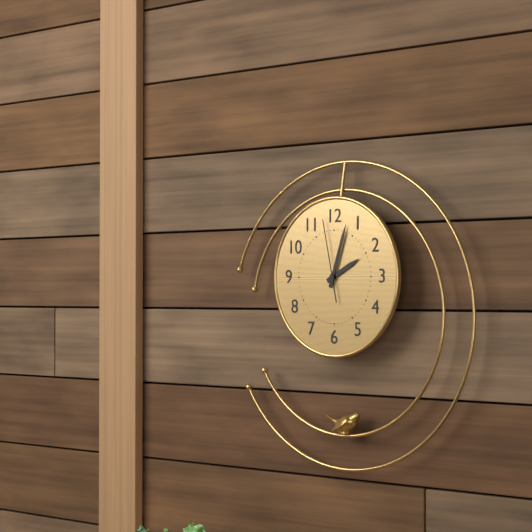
2:03:58
